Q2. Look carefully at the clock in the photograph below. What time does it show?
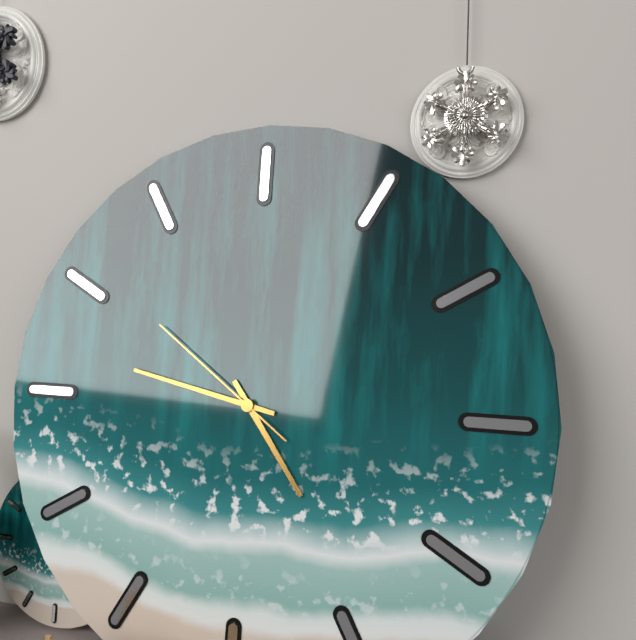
4:47:51
